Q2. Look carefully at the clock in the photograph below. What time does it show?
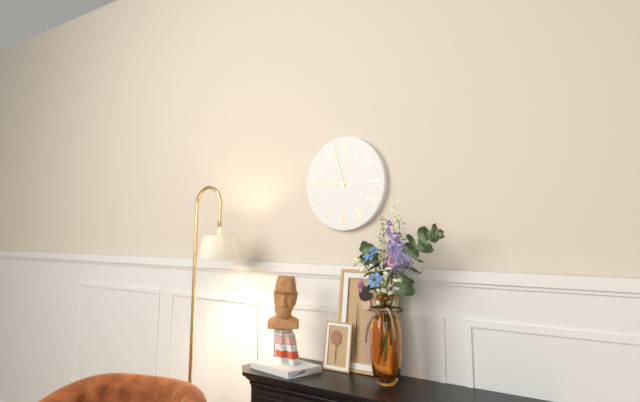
8:57
